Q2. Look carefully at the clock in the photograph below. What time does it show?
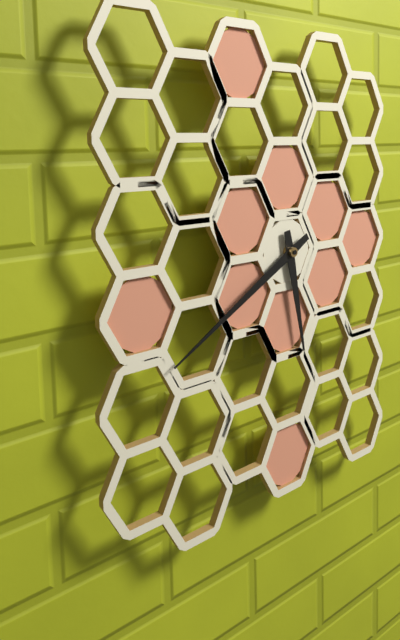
5:40
